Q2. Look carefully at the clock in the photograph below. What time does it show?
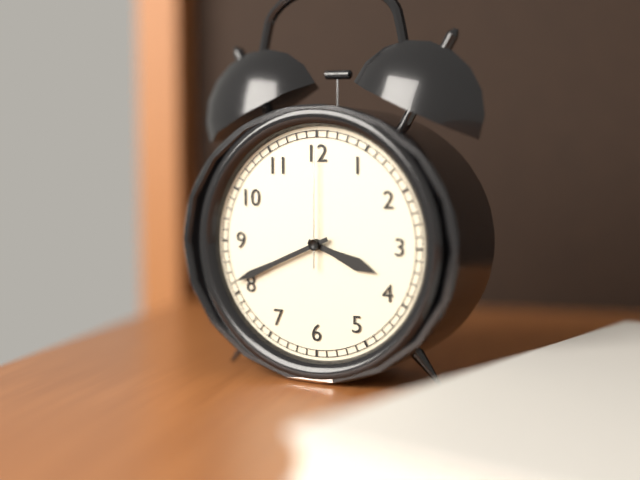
3:41:00
